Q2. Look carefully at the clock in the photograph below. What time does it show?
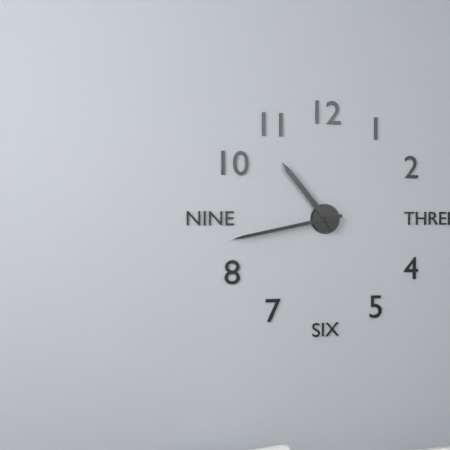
10:43
